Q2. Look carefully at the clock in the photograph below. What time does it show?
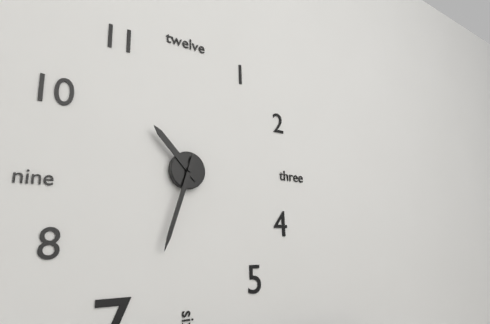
10:33
